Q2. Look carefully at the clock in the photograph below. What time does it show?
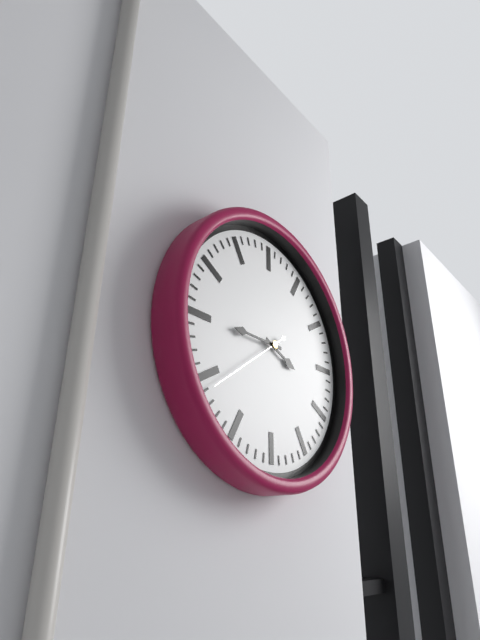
3:45:39
